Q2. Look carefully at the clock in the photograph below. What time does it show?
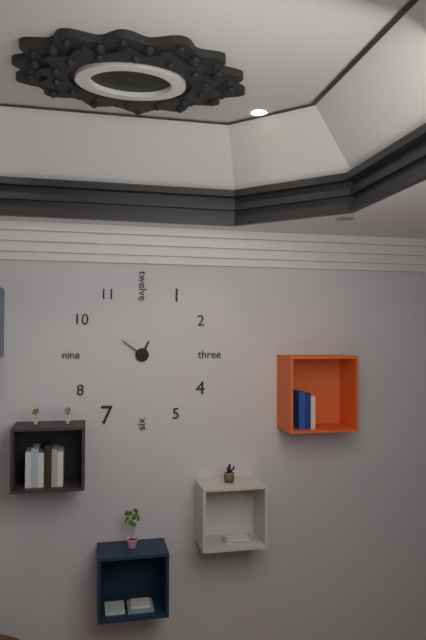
12:51
